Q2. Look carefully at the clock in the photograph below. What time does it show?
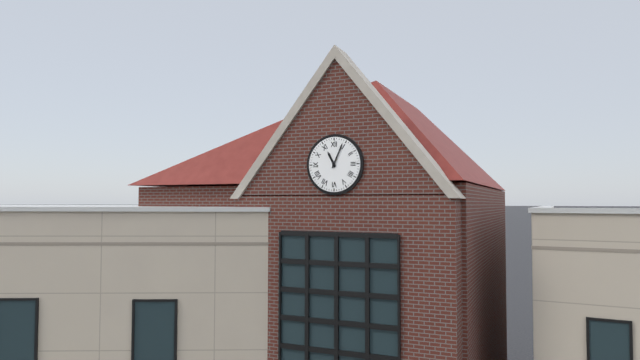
11:04
